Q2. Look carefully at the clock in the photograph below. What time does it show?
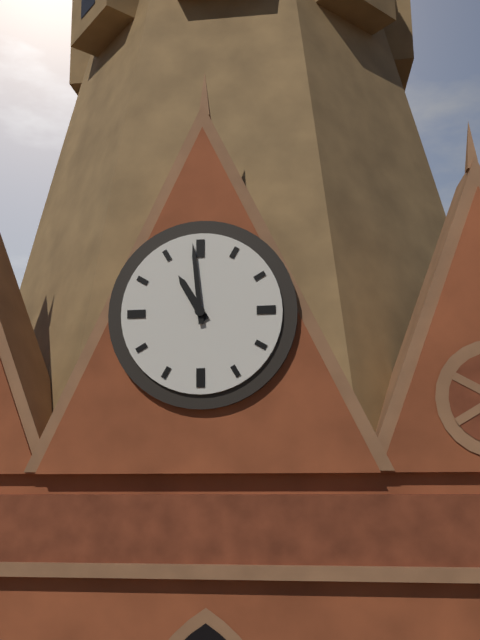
10:59
